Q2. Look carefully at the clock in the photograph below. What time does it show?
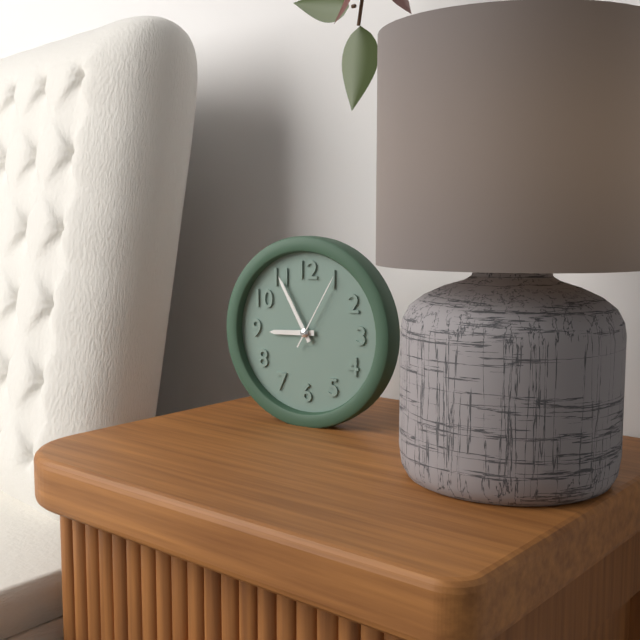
8:55:05
